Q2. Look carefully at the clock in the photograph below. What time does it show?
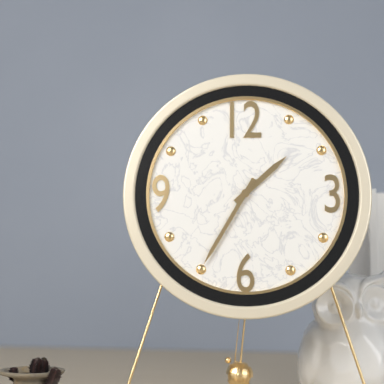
1:35
